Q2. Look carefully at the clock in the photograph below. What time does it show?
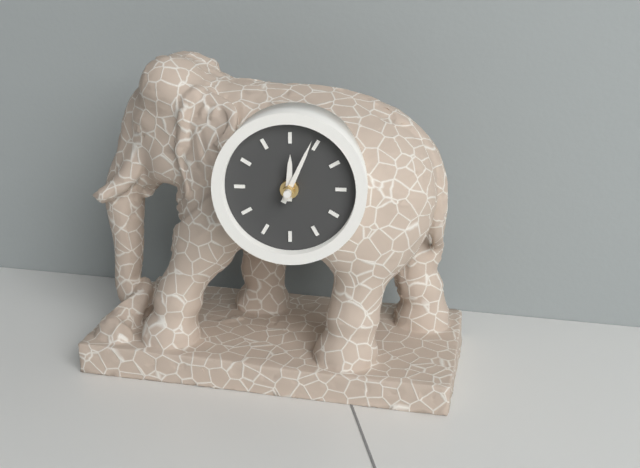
12:04
